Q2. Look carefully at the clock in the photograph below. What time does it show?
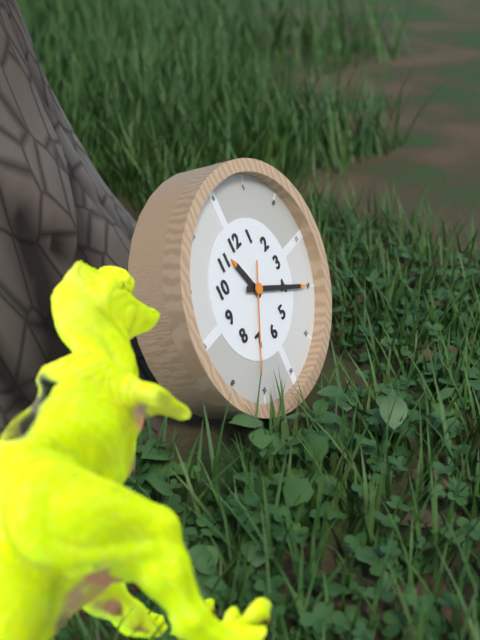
11:20:36
